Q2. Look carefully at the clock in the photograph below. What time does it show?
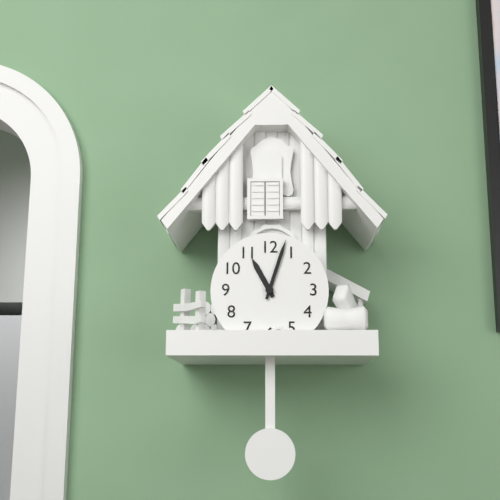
11:03
